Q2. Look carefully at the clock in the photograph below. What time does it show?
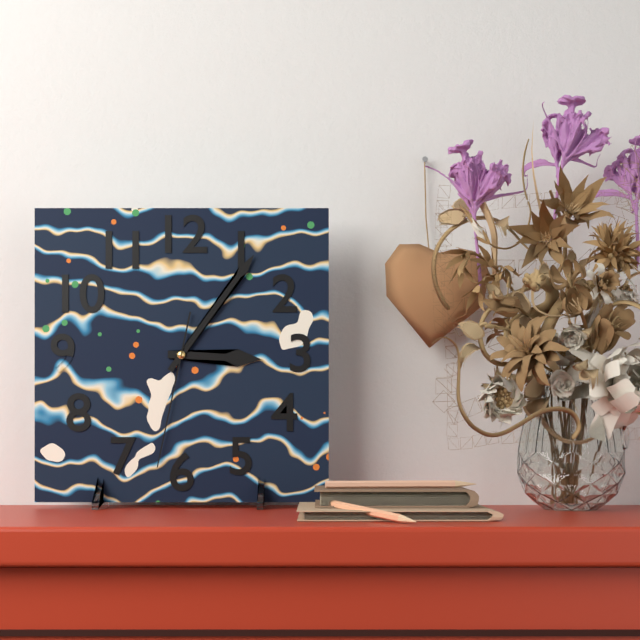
3:06:32
